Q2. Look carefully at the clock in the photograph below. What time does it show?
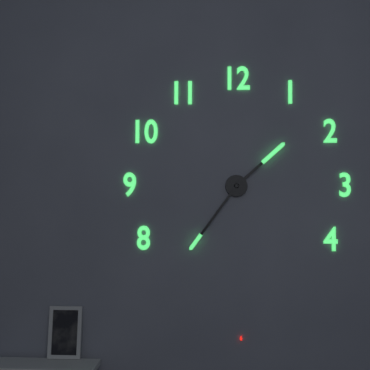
1:36
